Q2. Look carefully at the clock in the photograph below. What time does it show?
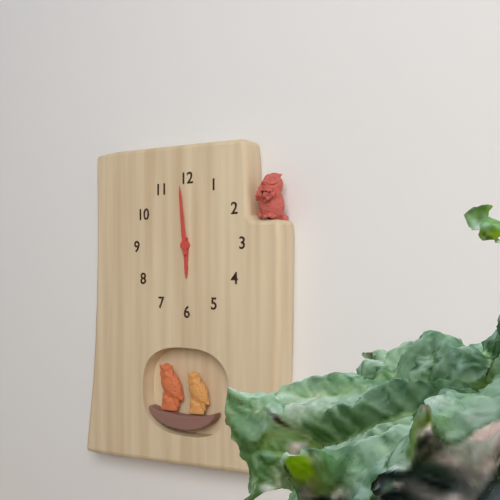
5:59
